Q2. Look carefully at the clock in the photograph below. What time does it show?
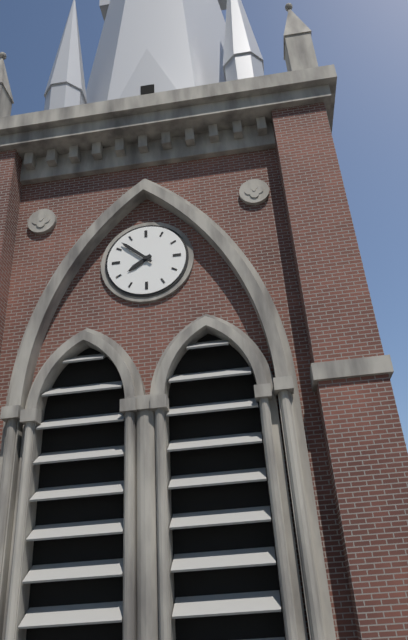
7:52
